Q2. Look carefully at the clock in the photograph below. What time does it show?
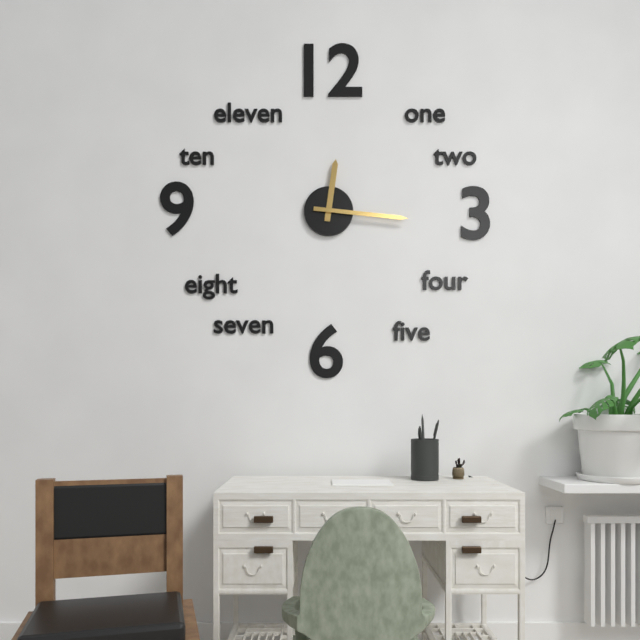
12:16
